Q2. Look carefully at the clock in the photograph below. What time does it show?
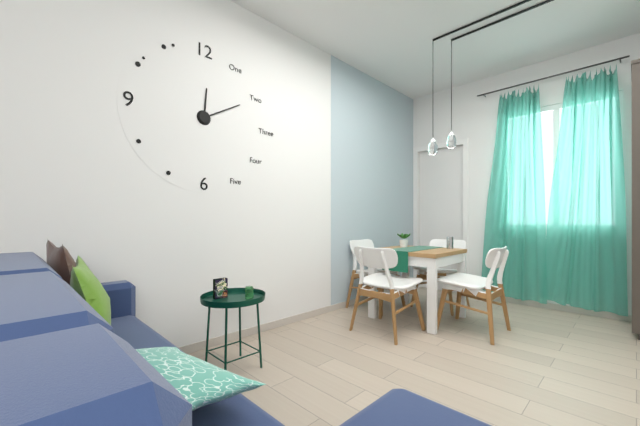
12:10
